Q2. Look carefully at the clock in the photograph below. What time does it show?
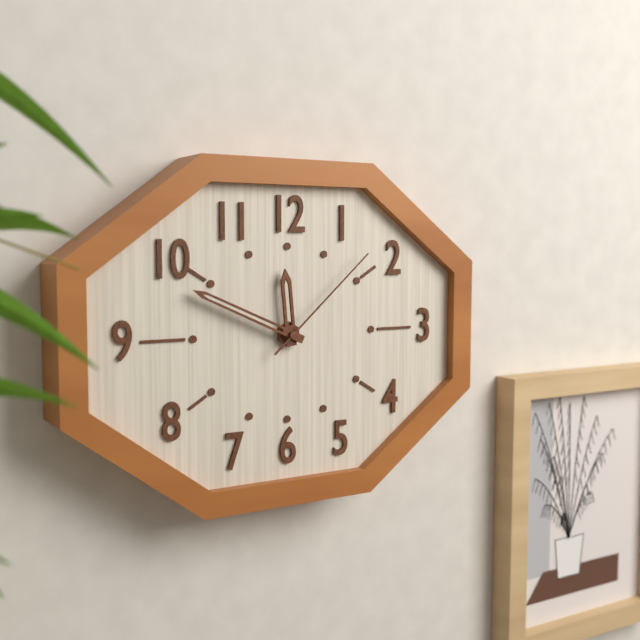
11:49:08
